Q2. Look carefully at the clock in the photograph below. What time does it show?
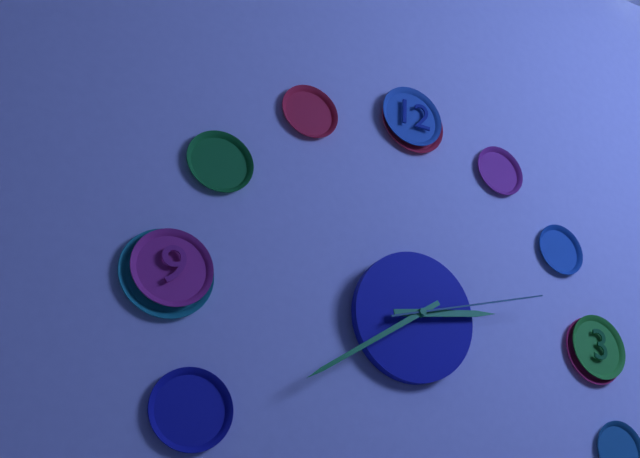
2:39:12
